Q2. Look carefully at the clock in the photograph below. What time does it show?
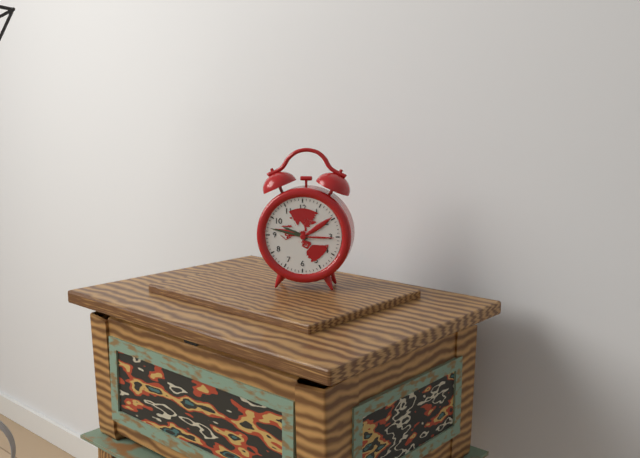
9:47
